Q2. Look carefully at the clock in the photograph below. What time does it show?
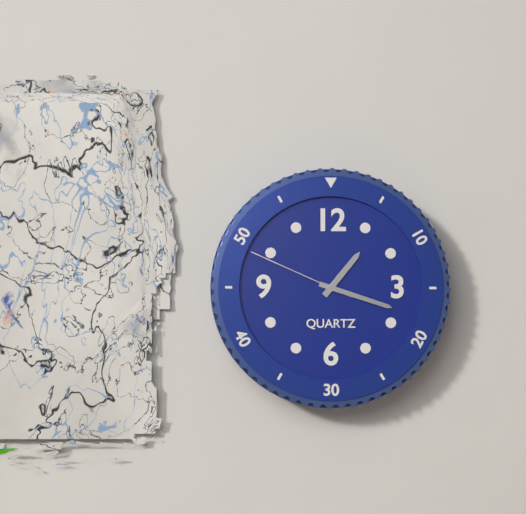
1:18:49
